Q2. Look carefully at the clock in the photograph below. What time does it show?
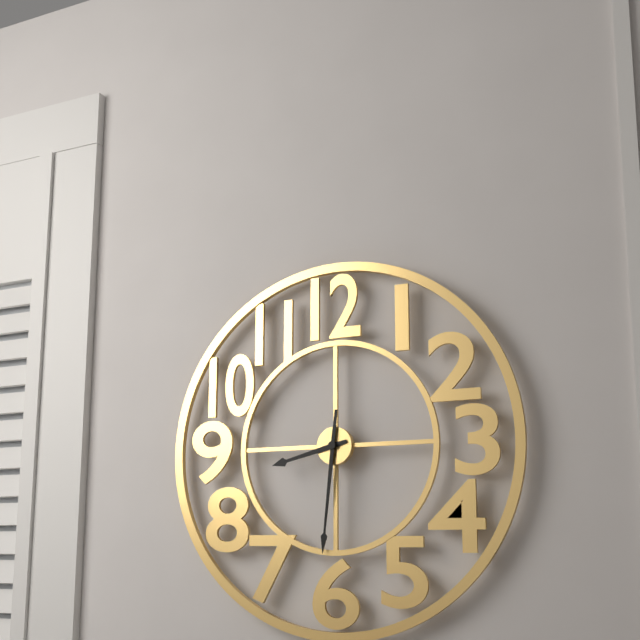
8:31
